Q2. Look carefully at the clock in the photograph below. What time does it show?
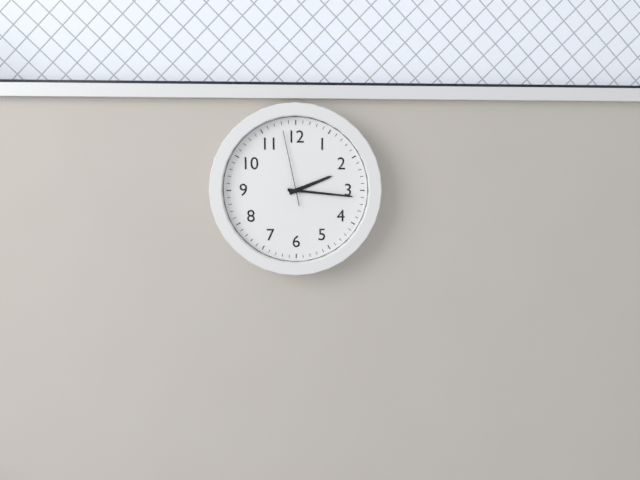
2:16:58
